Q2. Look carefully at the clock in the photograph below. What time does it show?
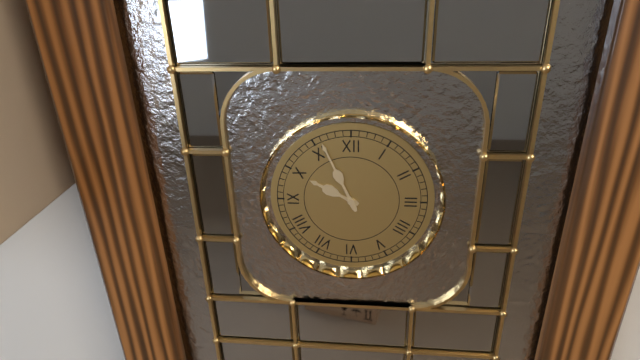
9:56
